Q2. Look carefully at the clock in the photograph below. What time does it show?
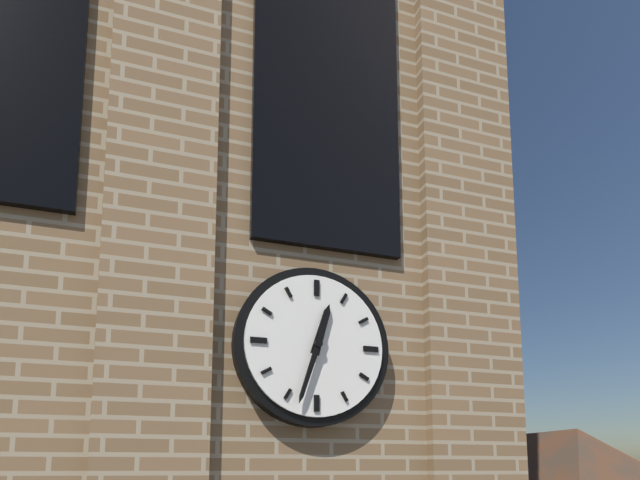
12:33
